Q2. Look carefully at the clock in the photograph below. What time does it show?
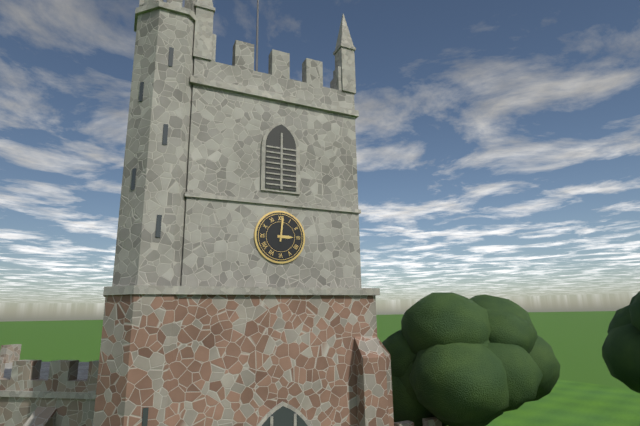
3:01
